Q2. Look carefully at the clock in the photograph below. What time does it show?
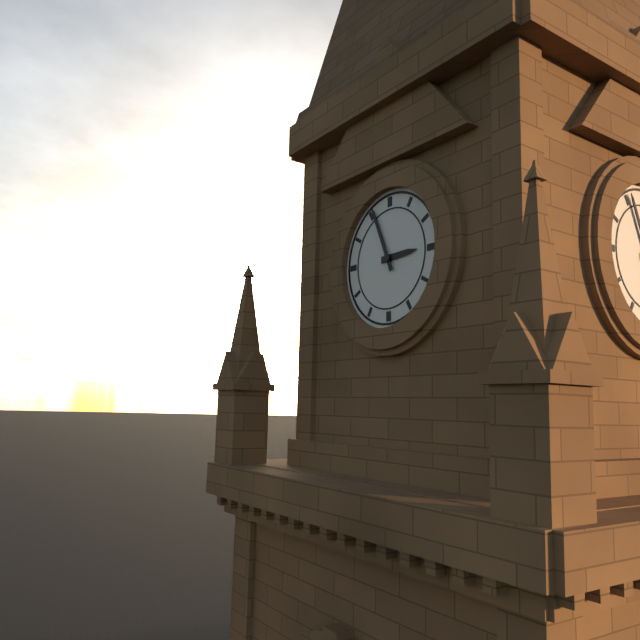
2:56
